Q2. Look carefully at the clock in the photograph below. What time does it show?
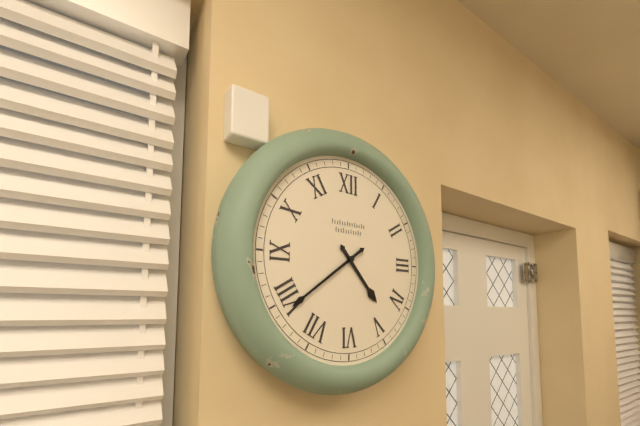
4:39
